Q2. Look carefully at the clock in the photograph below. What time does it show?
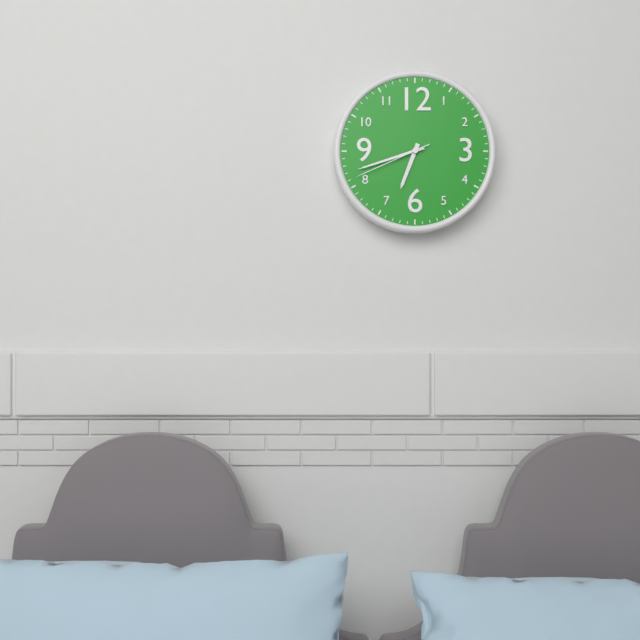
6:42:41
